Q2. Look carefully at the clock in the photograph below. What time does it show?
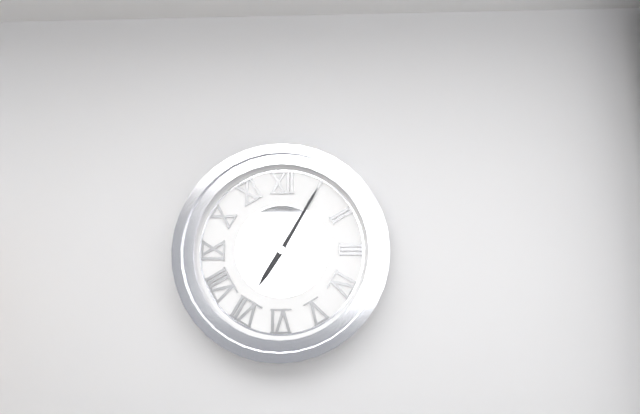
7:05
